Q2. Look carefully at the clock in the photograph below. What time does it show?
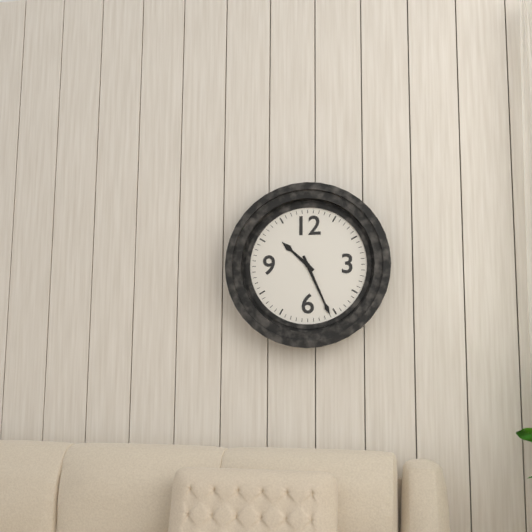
10:26
